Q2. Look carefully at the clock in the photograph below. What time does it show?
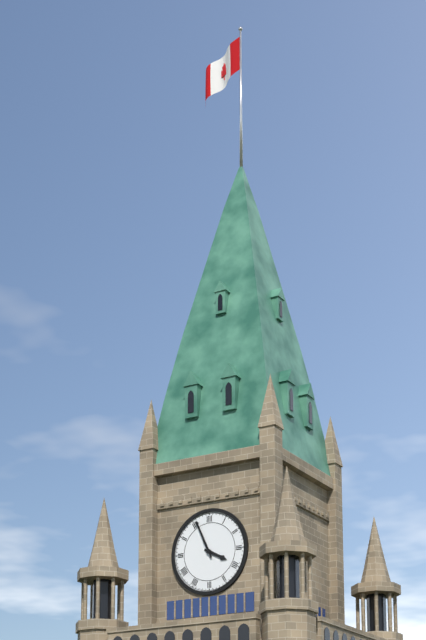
3:56
